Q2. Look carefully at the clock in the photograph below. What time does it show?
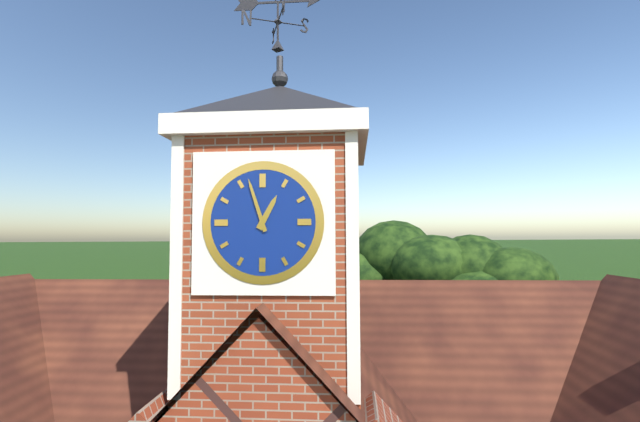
12:57
